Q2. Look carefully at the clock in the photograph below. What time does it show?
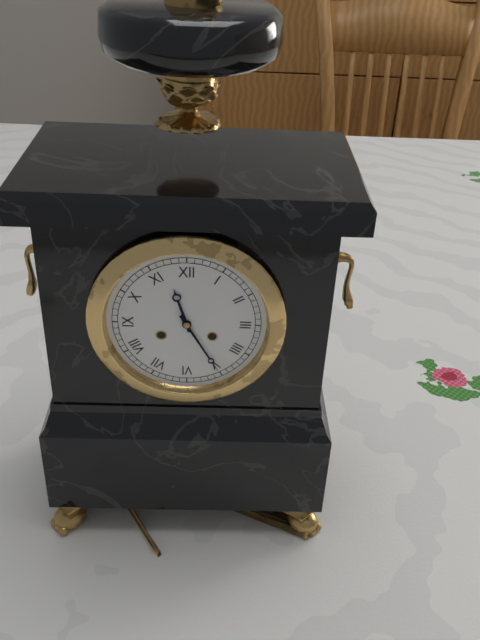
11:25
